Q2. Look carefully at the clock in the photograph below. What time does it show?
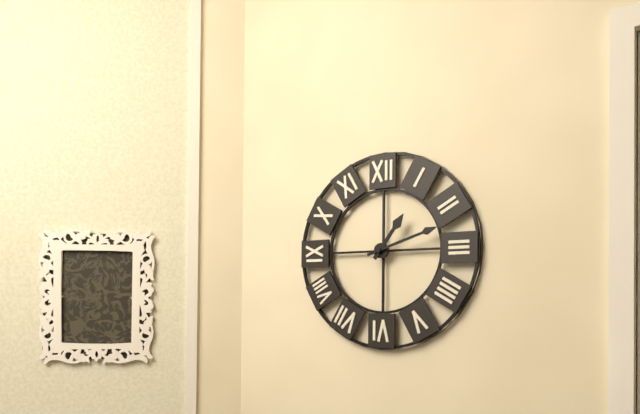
1:12
